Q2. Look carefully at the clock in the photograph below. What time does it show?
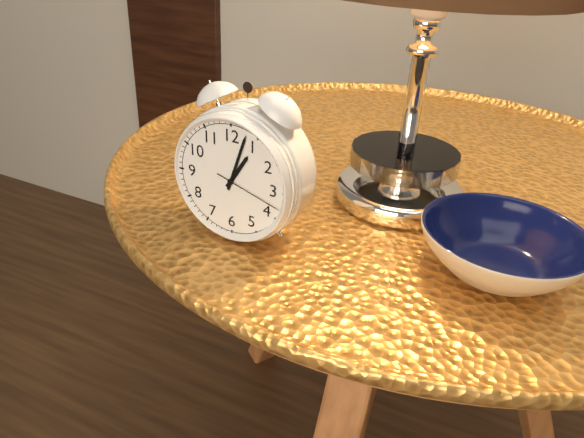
1:03:18
